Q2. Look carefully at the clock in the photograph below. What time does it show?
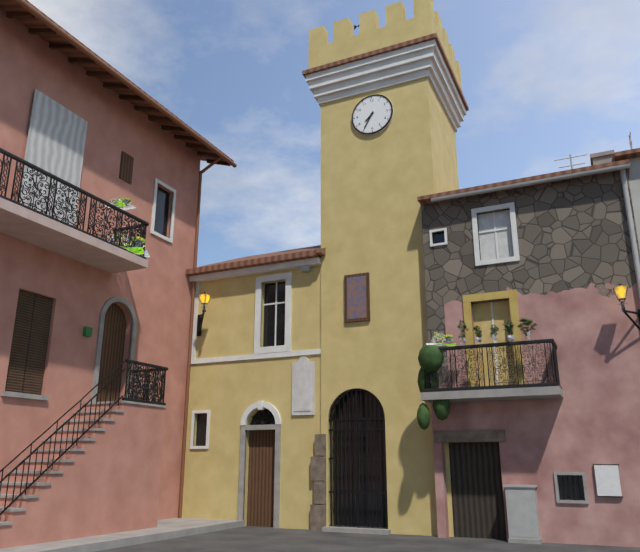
7:35
